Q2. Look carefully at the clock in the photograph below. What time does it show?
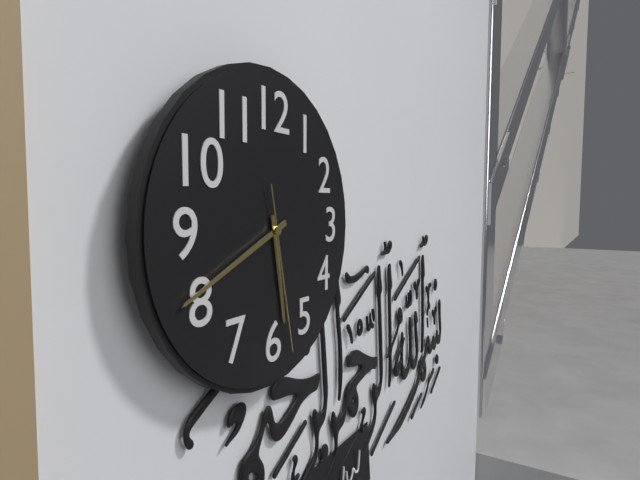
5:41:28
